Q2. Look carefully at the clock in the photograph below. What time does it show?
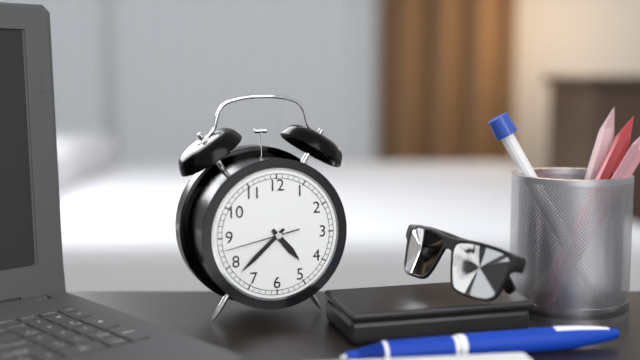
4:38:43
